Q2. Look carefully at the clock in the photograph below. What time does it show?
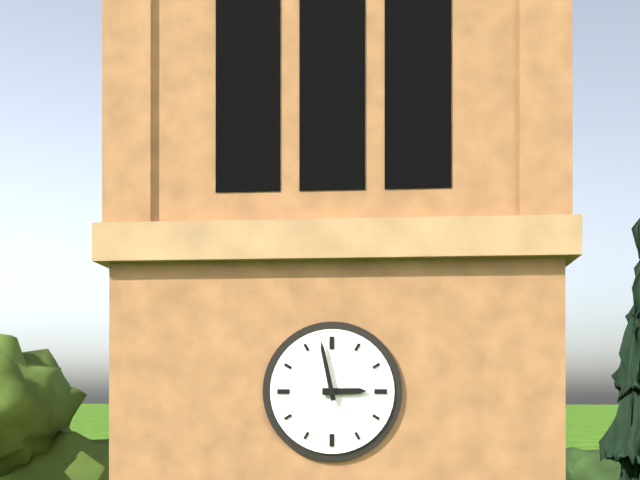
2:58
